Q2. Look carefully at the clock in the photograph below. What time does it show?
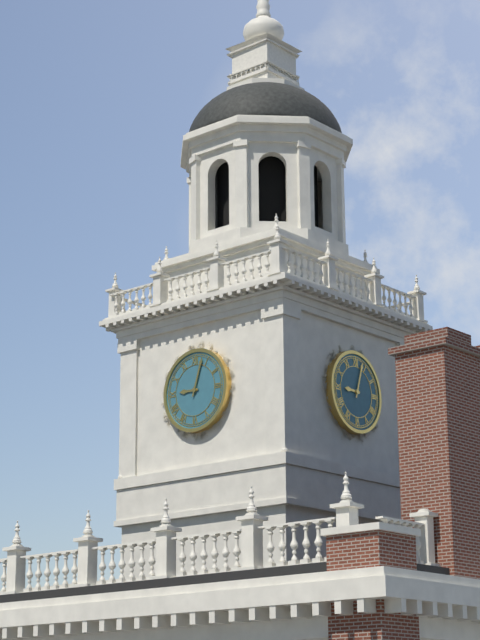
9:03
